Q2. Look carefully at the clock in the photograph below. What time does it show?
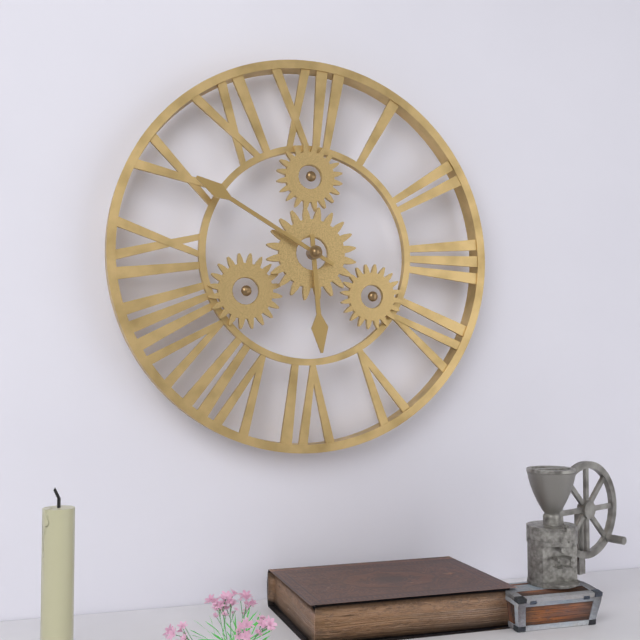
5:50
